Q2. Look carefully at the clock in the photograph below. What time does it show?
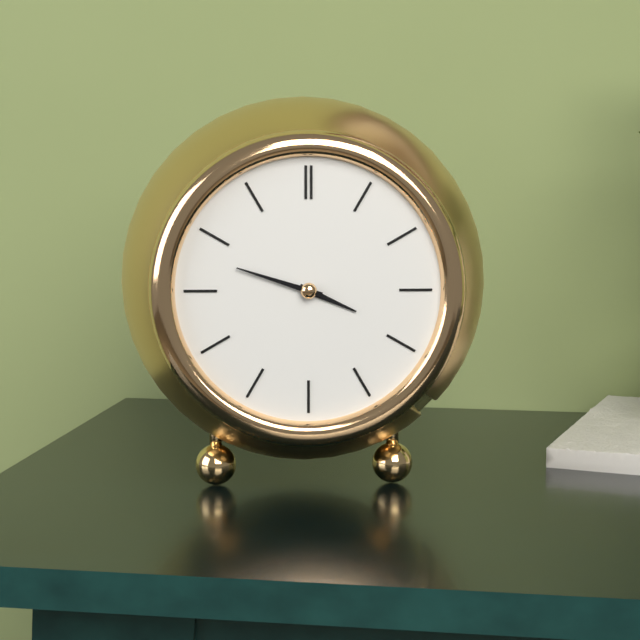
3:48
